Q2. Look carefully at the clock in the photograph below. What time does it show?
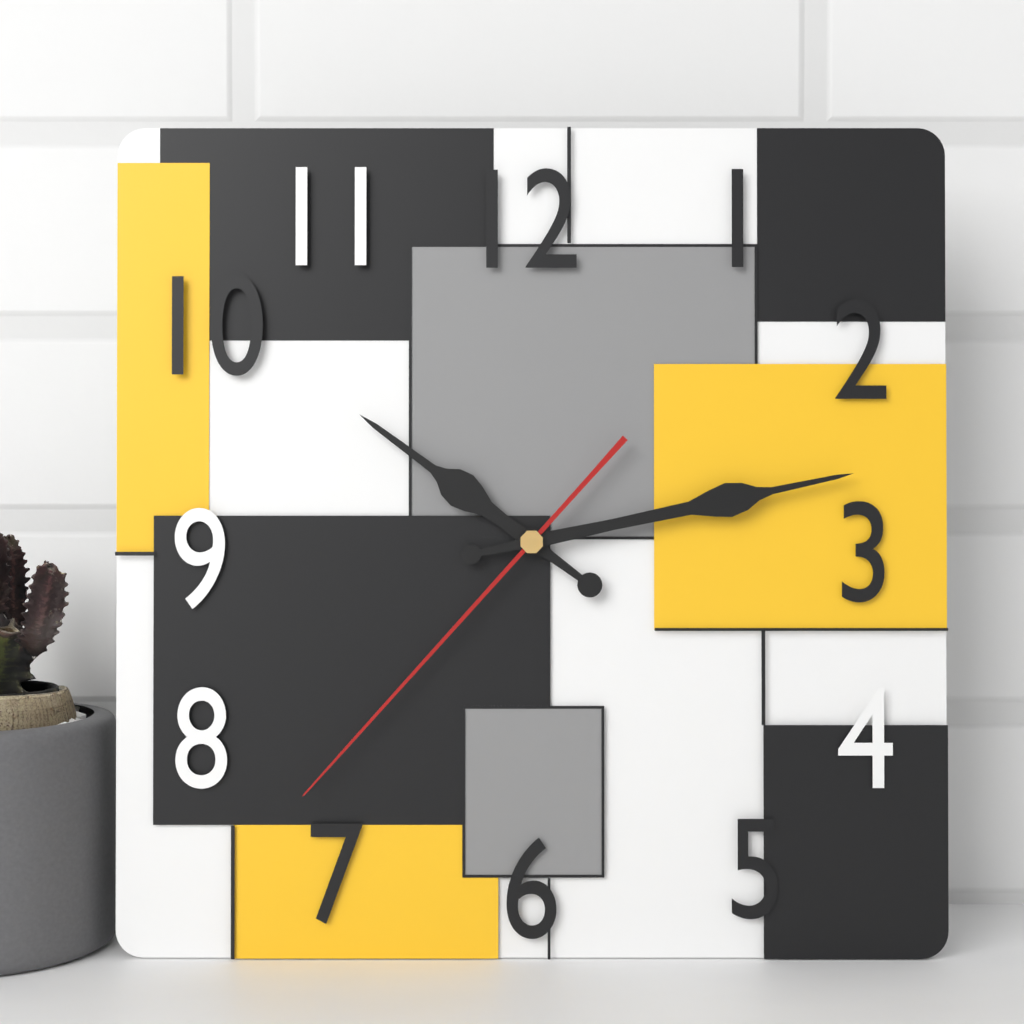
10:13:37
